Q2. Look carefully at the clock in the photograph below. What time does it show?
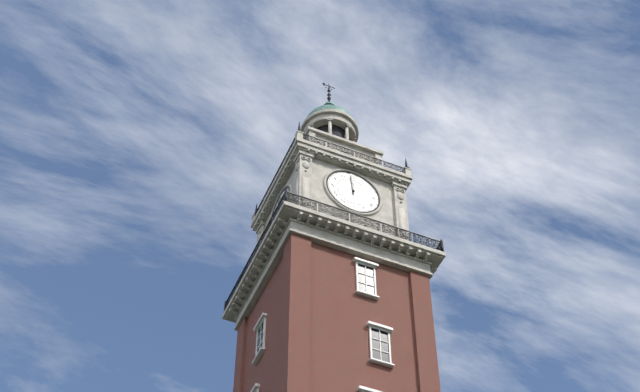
11:59
